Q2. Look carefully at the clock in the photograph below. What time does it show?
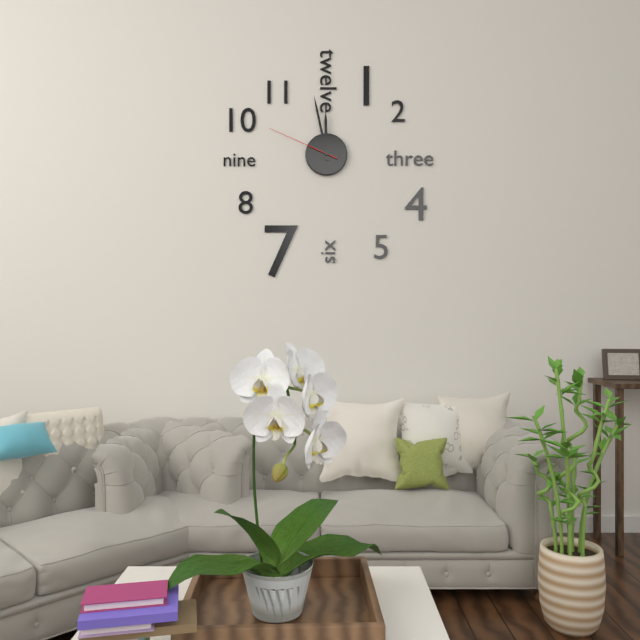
11:58:49
